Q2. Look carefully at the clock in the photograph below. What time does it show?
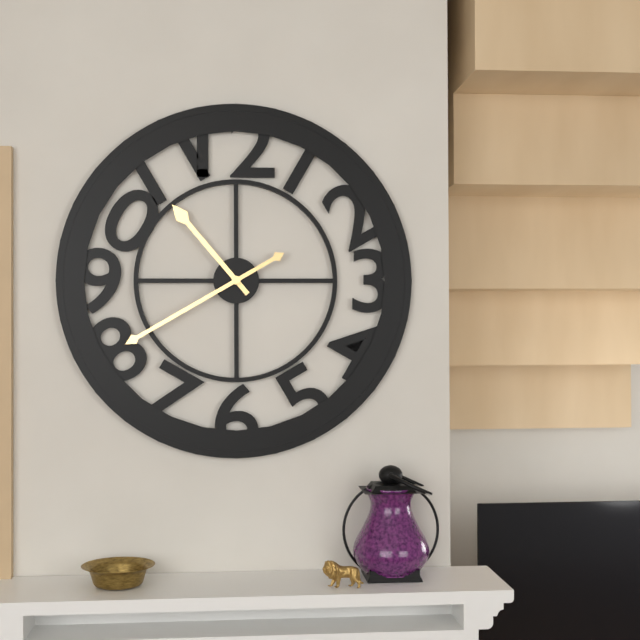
10:40
